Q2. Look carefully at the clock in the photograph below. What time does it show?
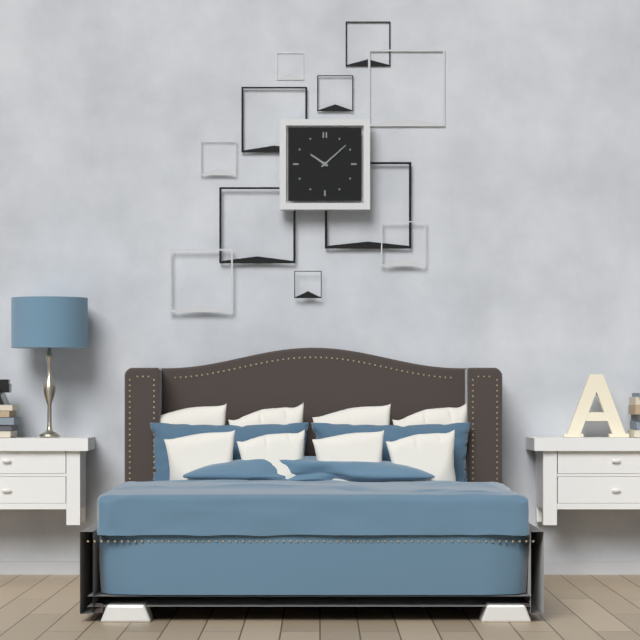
10:08
